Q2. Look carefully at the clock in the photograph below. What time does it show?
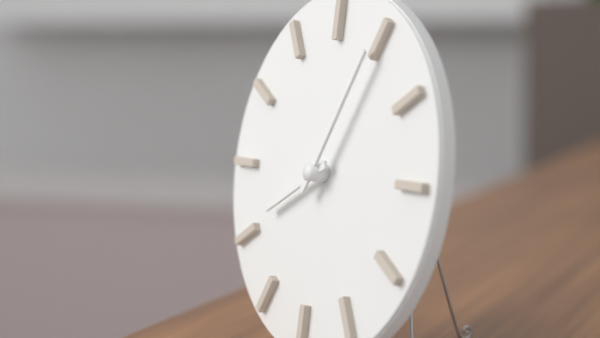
8:05
